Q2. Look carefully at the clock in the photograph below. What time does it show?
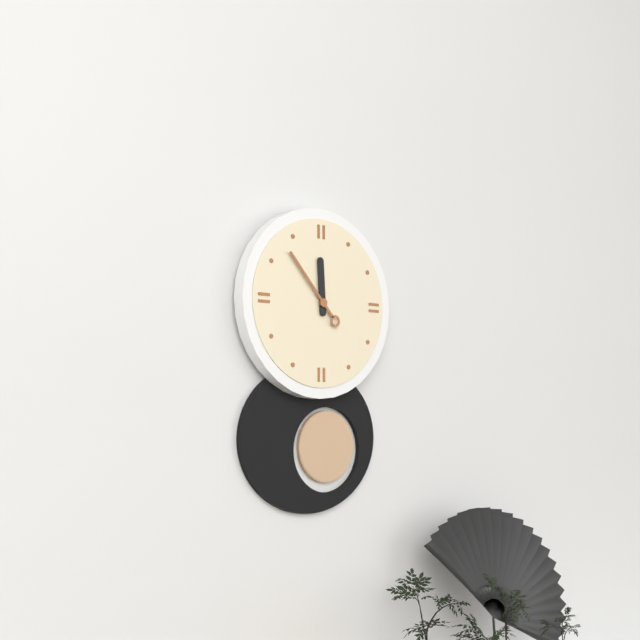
11:53
